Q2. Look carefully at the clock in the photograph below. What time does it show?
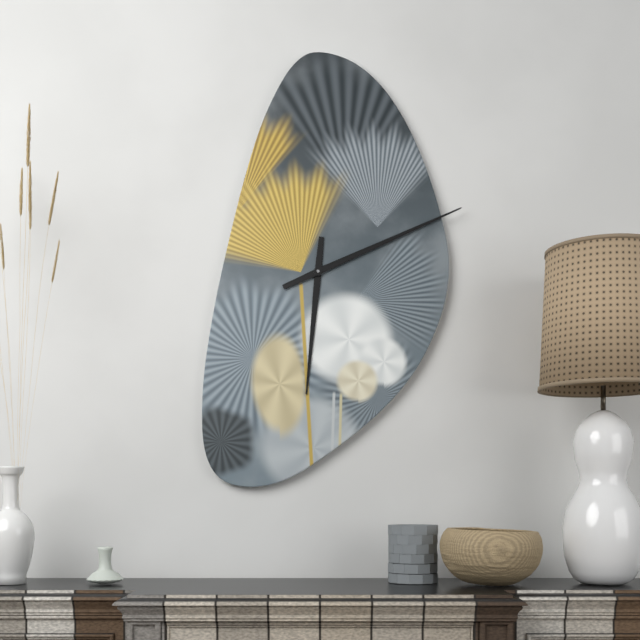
6:11
